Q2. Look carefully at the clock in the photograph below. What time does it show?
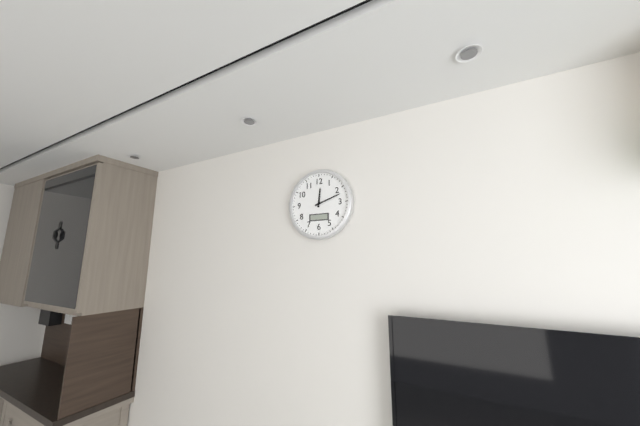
12:12
